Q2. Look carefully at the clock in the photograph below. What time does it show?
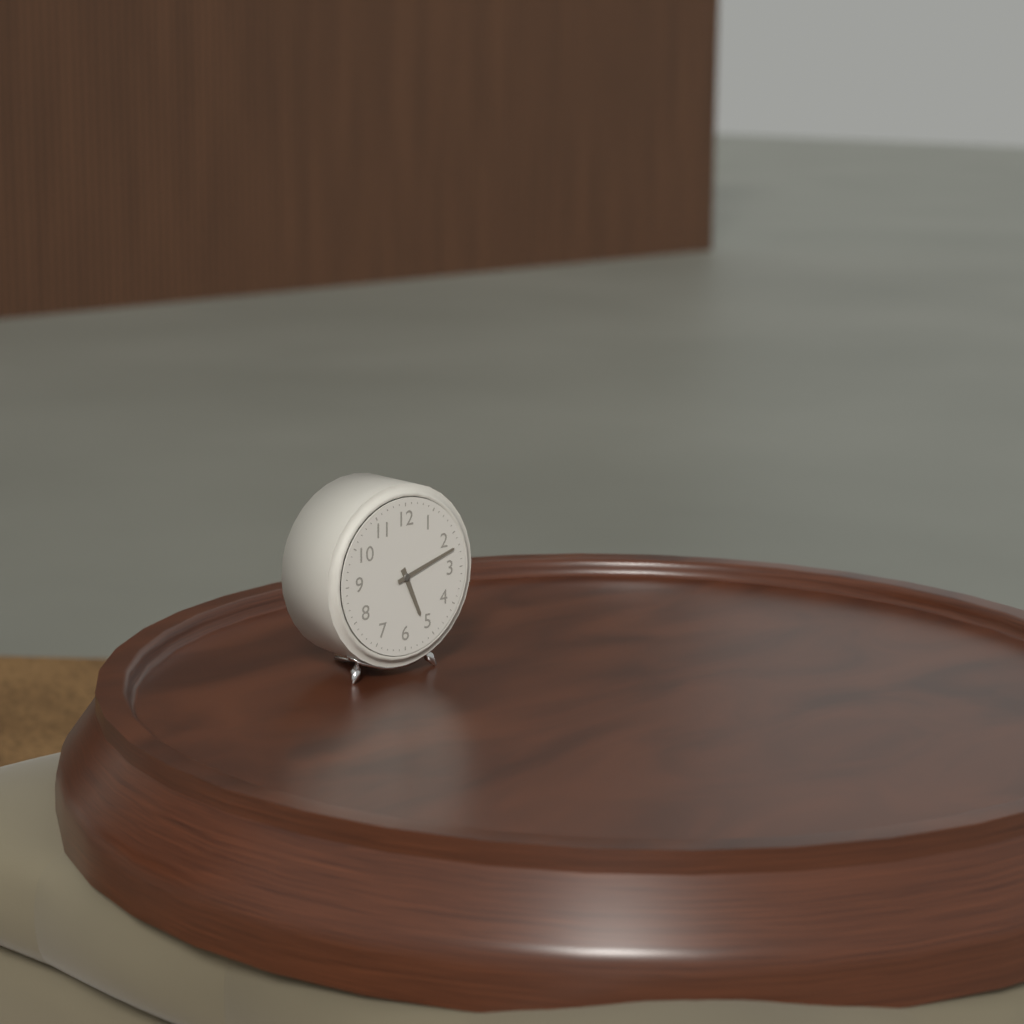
5:12
